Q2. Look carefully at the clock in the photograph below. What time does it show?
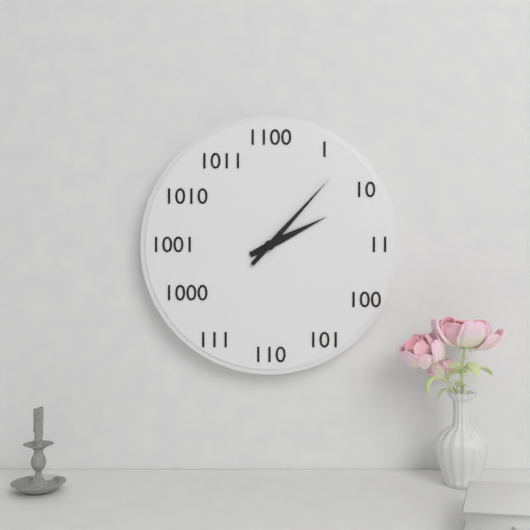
2:07
